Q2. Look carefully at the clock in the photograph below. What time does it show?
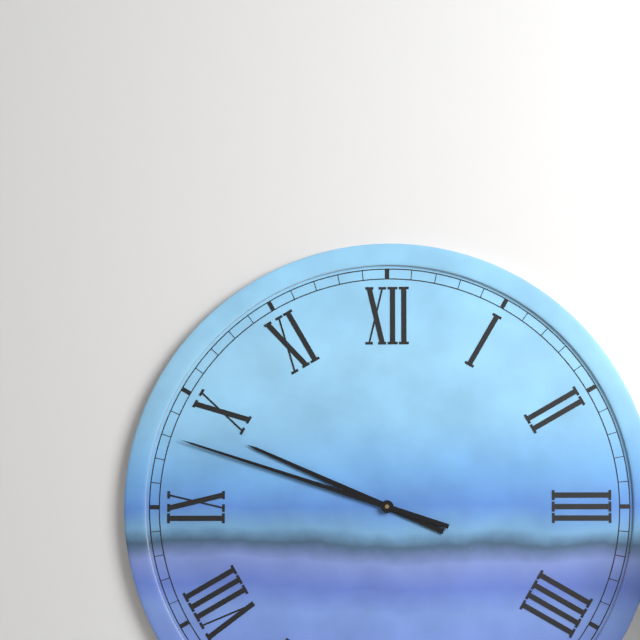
9:48
